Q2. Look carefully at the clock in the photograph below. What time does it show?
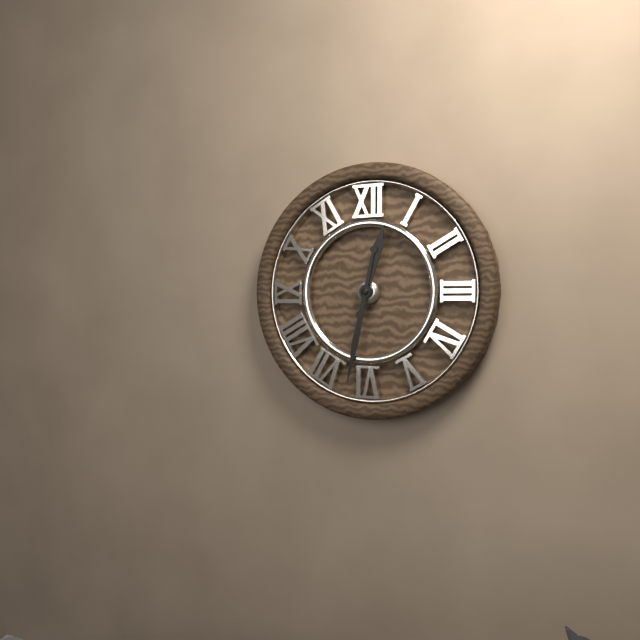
12:32
